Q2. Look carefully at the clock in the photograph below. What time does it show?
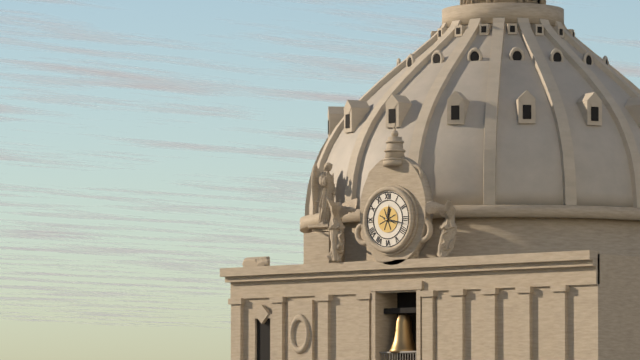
12:17
